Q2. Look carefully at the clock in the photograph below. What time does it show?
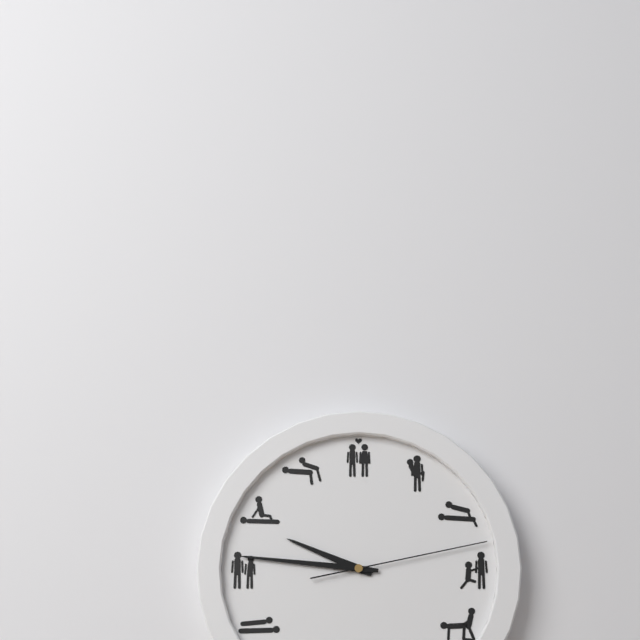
9:46:13
